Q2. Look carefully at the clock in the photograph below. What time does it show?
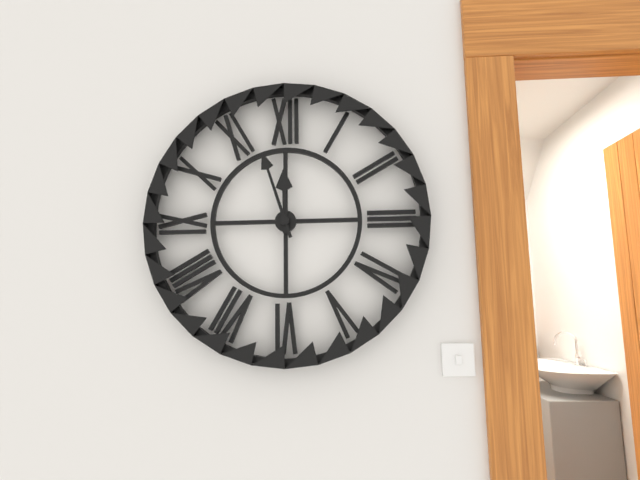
11:57
